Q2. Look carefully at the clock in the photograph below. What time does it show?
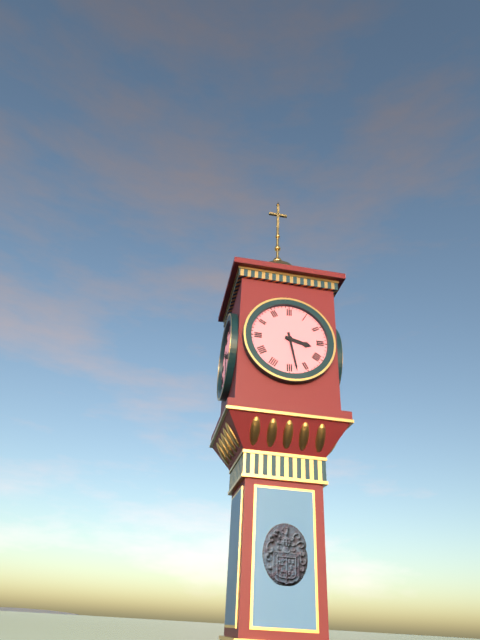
3:28
